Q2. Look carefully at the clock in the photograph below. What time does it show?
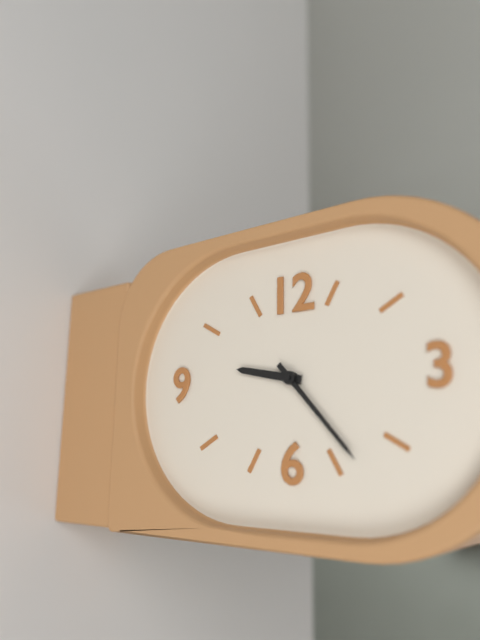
9:23
